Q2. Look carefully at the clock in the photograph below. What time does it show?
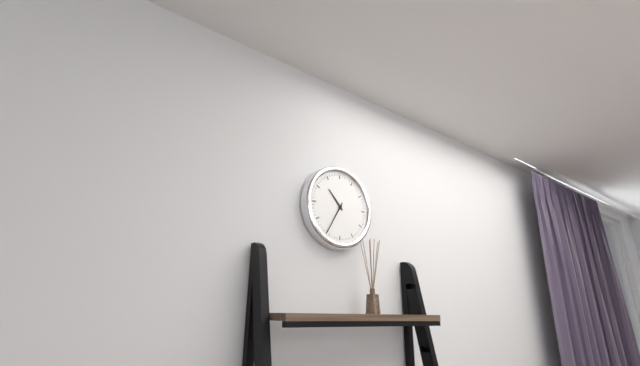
10:35
